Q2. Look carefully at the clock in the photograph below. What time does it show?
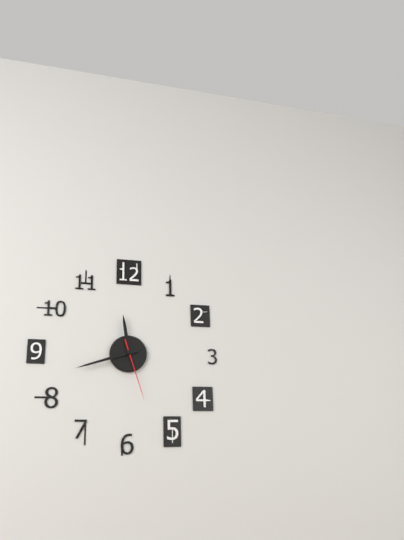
11:42:27
